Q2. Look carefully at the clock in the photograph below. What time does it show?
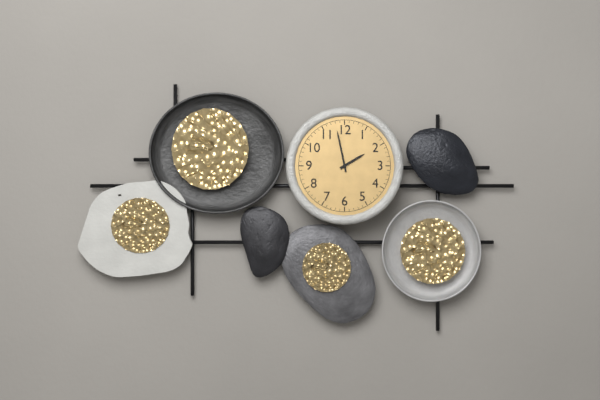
1:58
